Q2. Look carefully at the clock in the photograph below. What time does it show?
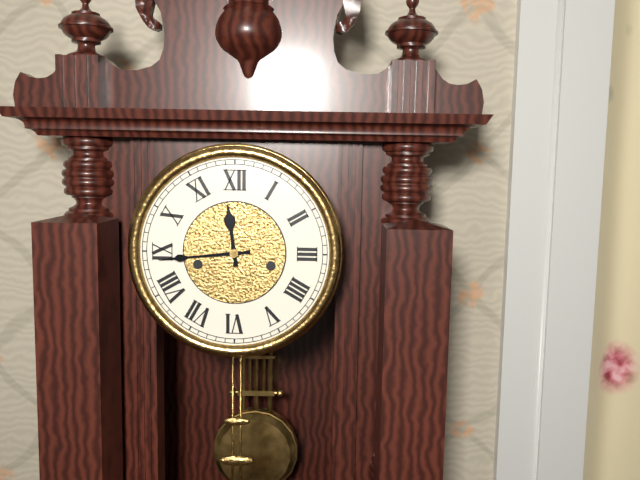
11:44
